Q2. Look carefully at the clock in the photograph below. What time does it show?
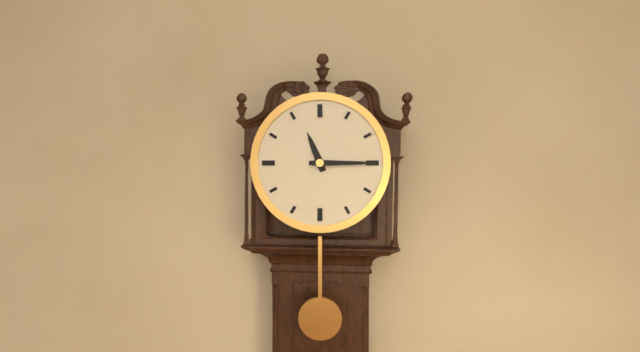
11:15
